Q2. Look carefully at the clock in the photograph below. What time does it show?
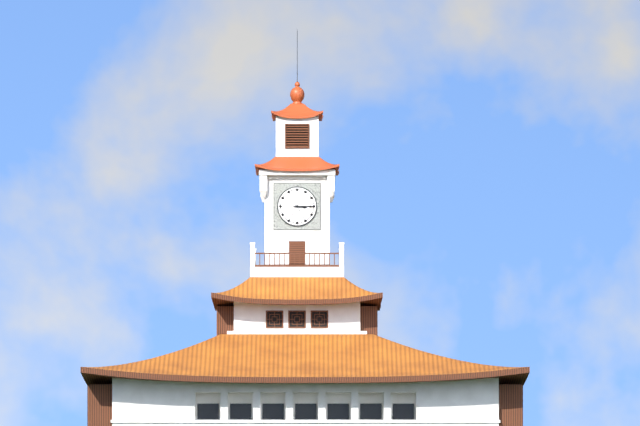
3:15
